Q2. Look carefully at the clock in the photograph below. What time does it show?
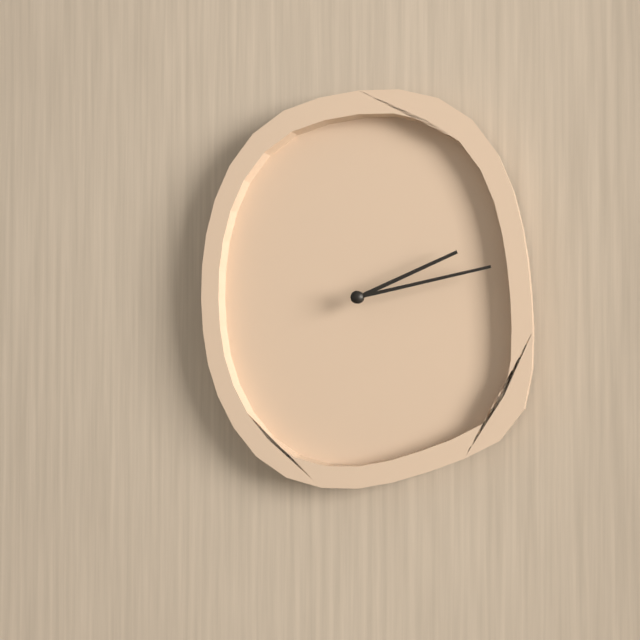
2:13
